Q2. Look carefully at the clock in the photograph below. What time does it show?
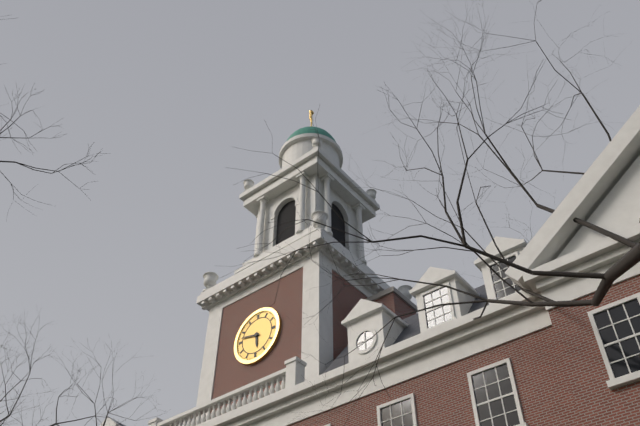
5:47
